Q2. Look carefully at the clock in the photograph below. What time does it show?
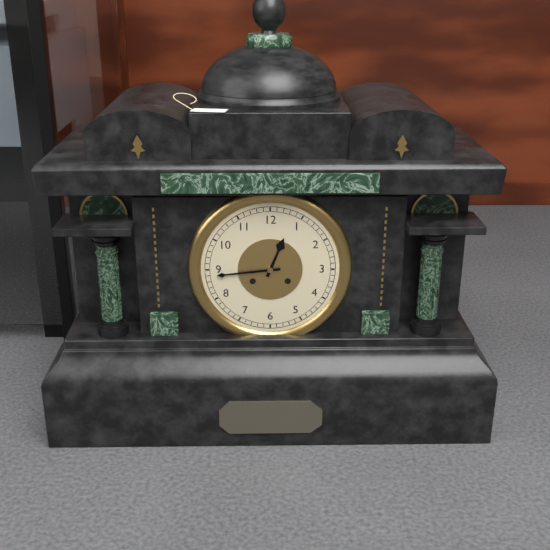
12:44
